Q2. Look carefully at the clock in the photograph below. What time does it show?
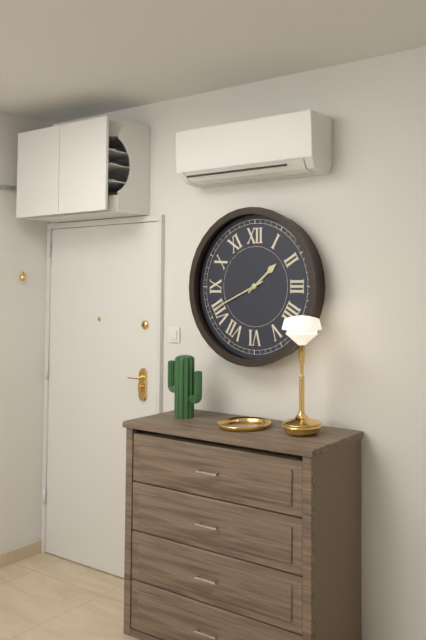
1:41
